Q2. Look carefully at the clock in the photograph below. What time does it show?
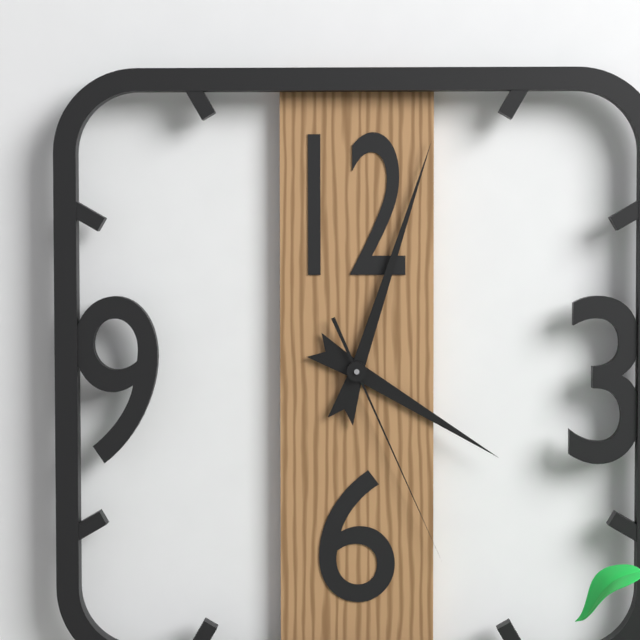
4:03:26
